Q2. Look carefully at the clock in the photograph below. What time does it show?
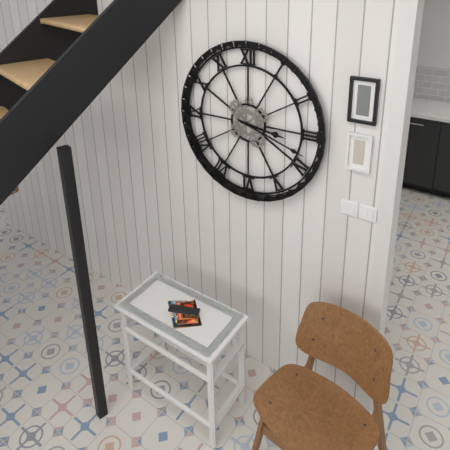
3:18
